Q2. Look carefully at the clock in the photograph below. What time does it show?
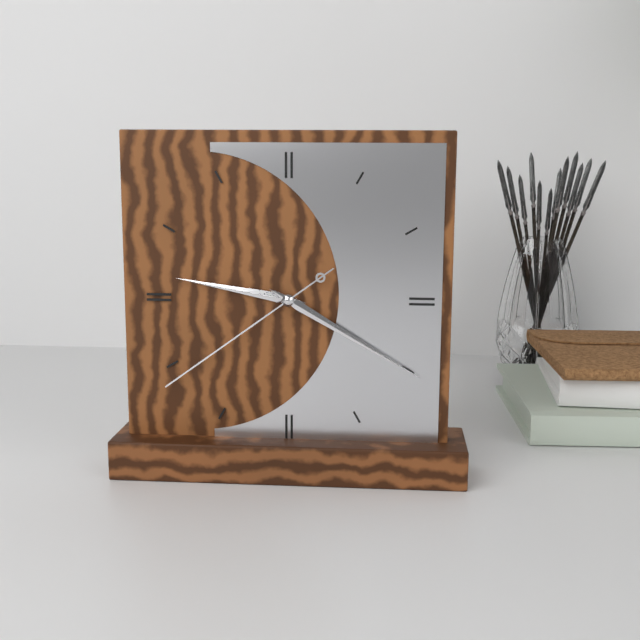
9:20:39
